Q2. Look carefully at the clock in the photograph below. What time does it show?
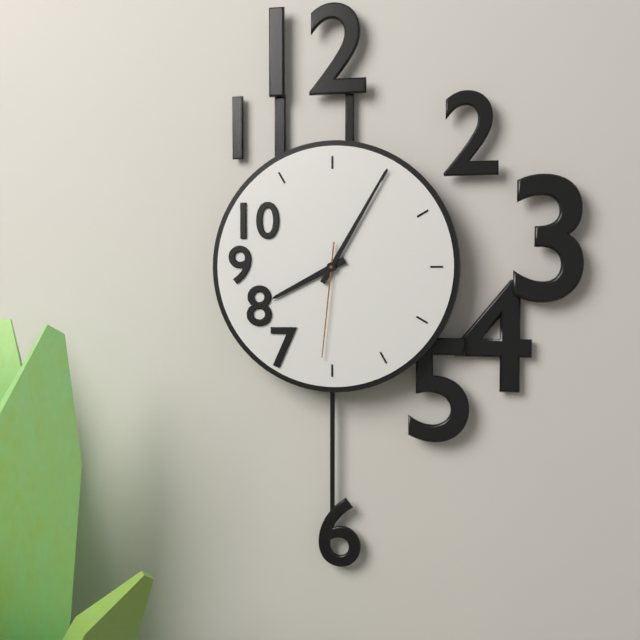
8:05:31
